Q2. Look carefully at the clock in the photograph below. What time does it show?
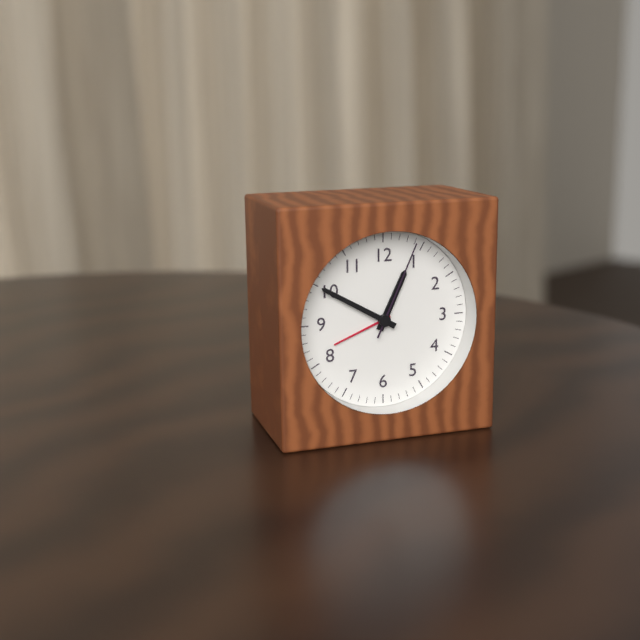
12:50:04
